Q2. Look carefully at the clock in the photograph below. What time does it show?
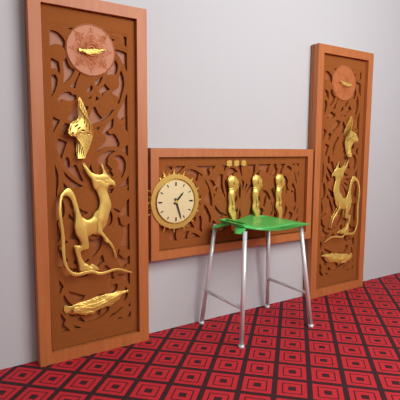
1:27
